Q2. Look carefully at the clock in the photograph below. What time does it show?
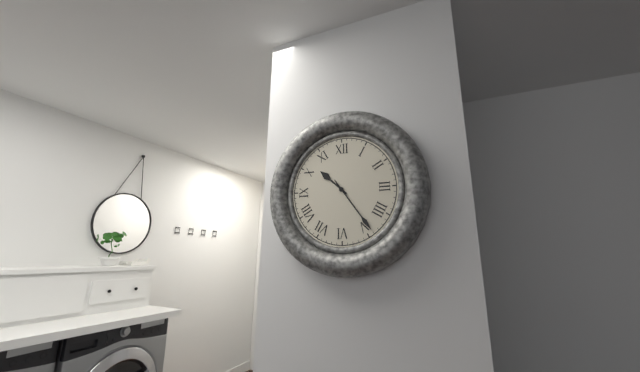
10:24
